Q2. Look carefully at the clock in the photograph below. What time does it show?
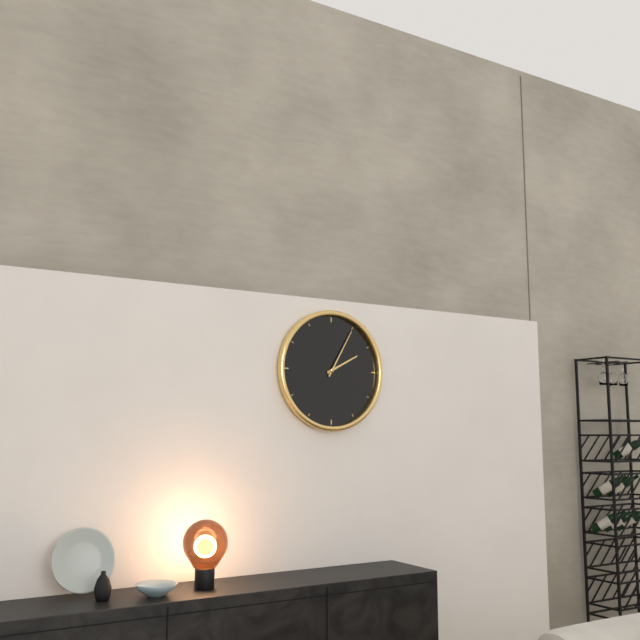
2:05
